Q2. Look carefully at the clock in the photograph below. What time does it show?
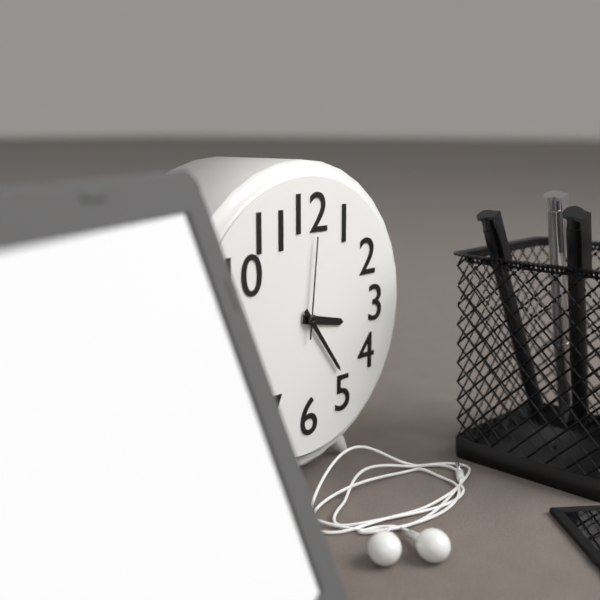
3:24:01
